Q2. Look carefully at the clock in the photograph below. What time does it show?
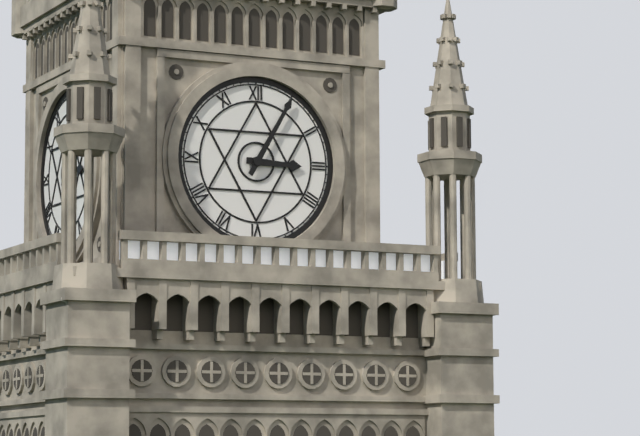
3:05
